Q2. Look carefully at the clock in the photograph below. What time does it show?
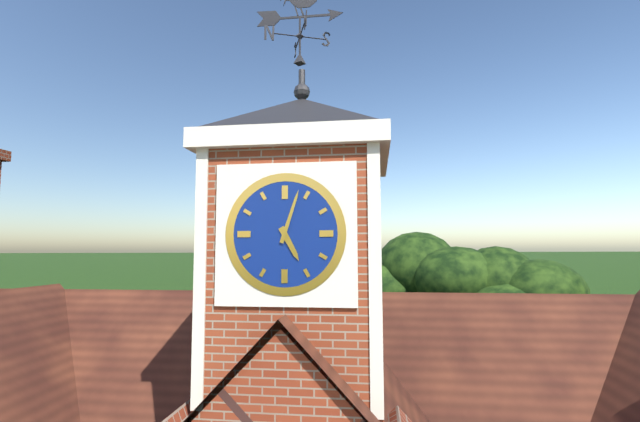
5:03
